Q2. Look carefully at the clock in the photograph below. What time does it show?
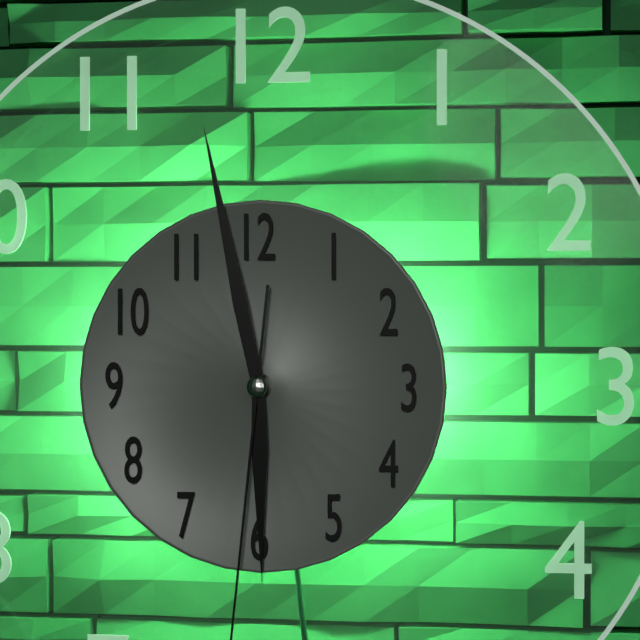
5:58
